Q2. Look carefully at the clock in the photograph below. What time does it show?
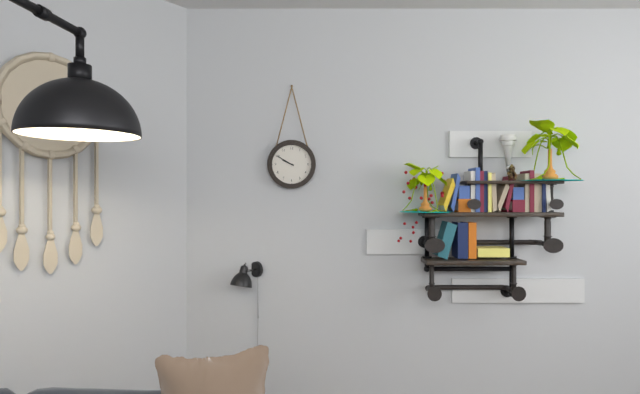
9:50
